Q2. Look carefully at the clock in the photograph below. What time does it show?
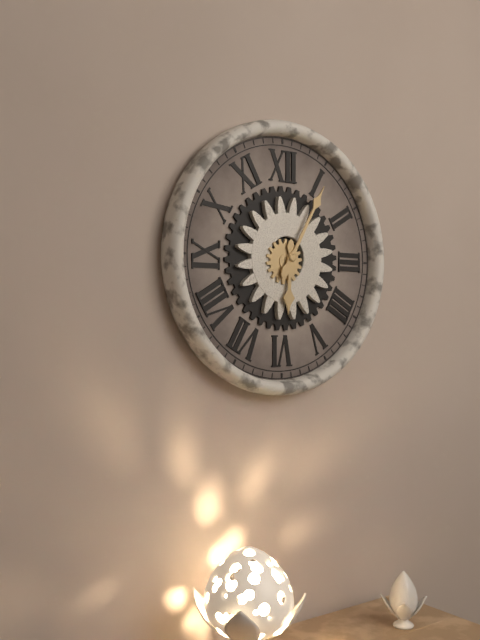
6:05
